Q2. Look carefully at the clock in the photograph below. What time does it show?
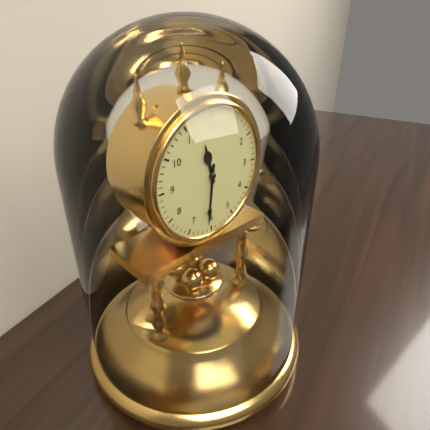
11:31
